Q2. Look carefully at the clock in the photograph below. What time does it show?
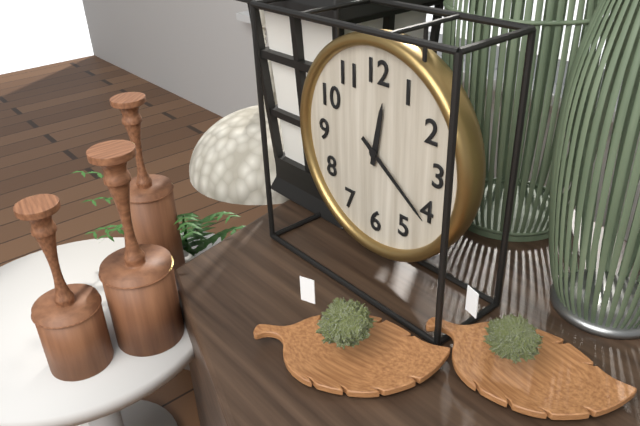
12:21
